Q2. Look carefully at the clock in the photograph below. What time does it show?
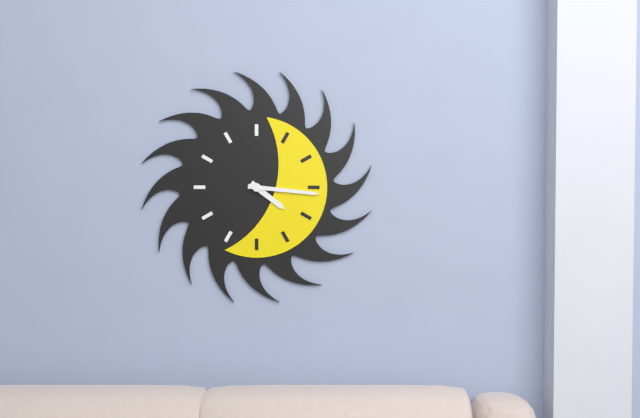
4:16
